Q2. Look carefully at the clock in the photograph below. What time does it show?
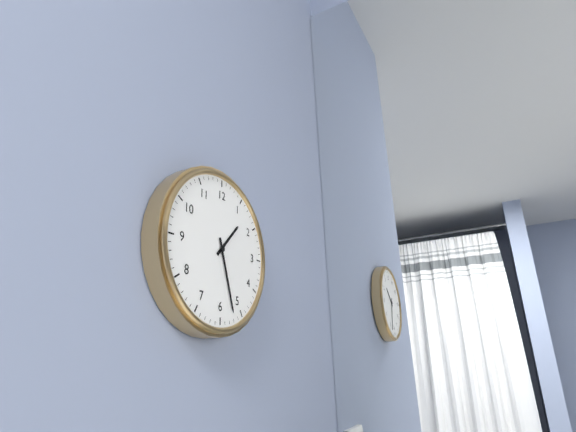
1:27
